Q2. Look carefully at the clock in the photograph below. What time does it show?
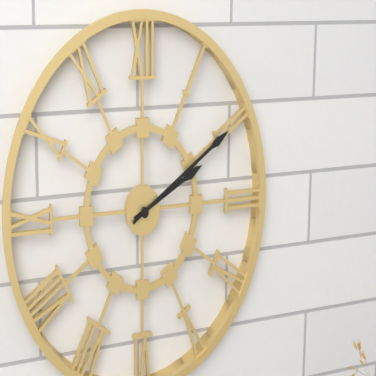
2:10
